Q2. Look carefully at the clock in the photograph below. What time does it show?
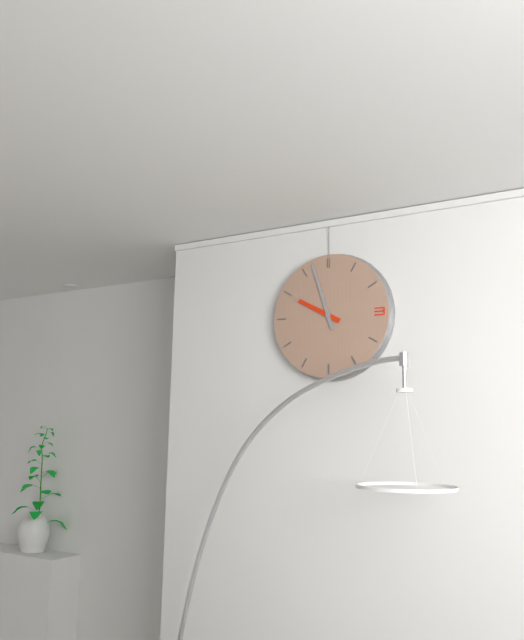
9:57
